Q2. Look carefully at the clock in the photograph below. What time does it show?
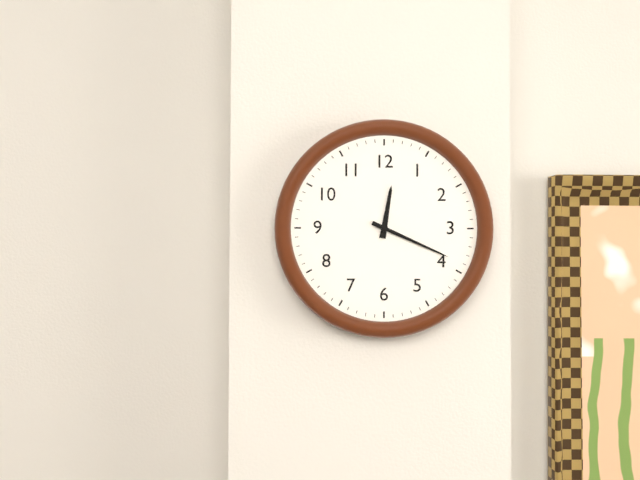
12:19
